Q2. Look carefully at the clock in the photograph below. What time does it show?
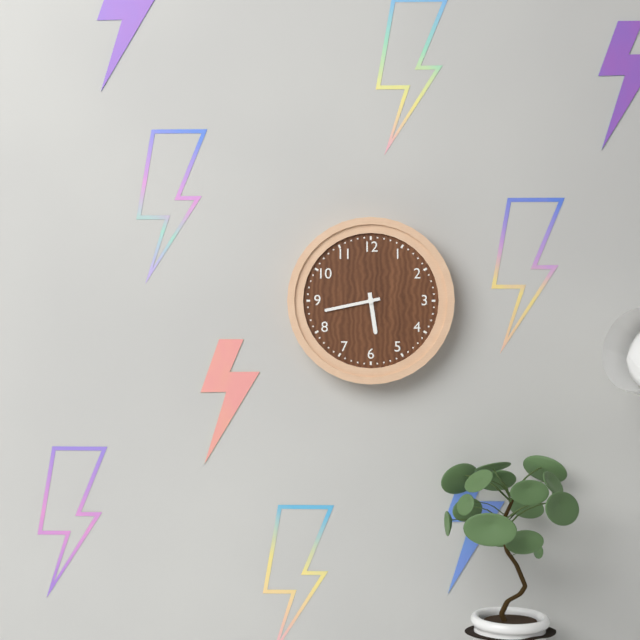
5:43
